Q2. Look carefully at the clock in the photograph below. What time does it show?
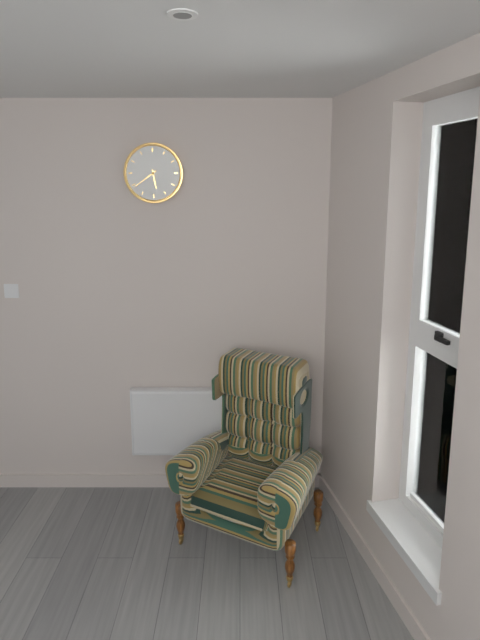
5:39
